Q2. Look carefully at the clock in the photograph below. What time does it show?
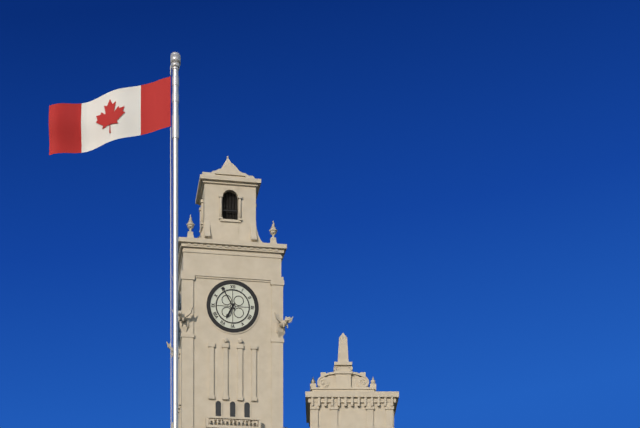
6:55
